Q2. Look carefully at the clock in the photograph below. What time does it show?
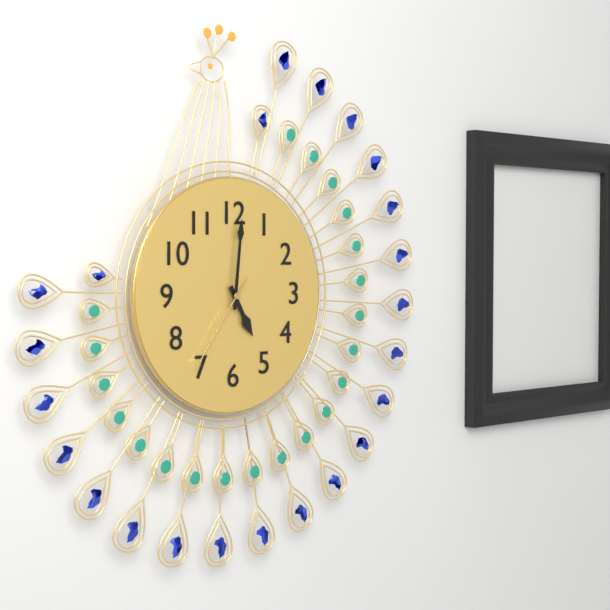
5:01:36
